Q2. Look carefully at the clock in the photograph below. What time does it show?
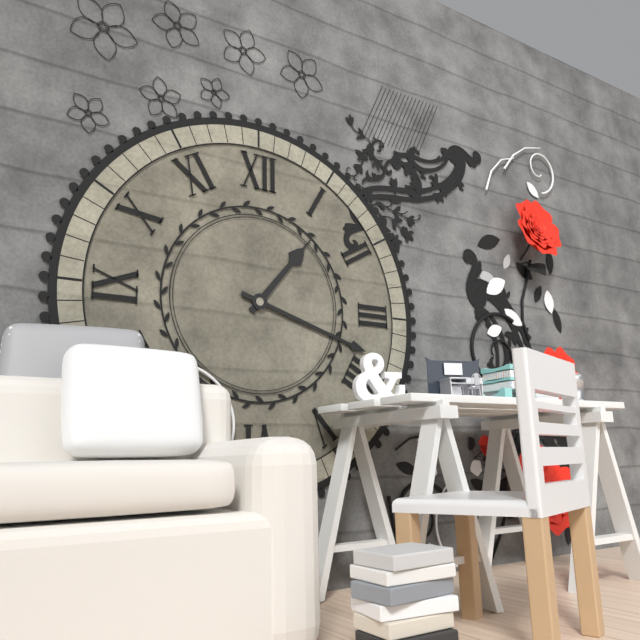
1:18
